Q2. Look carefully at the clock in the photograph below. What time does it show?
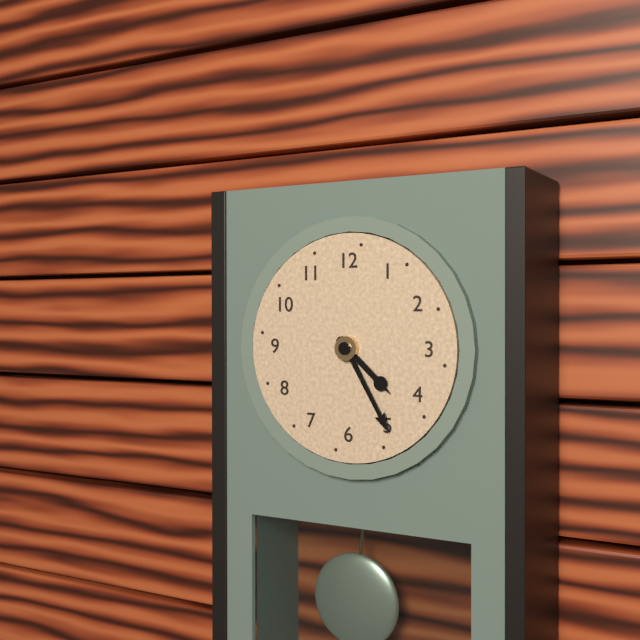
4:25
